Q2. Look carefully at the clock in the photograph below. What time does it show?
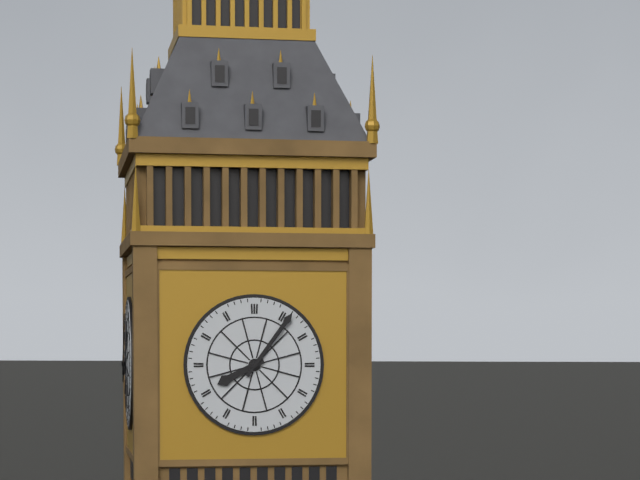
8:06
